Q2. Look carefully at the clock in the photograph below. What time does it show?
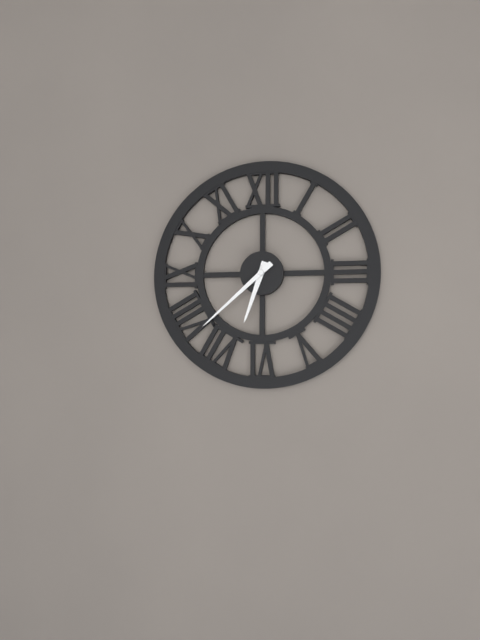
6:38
